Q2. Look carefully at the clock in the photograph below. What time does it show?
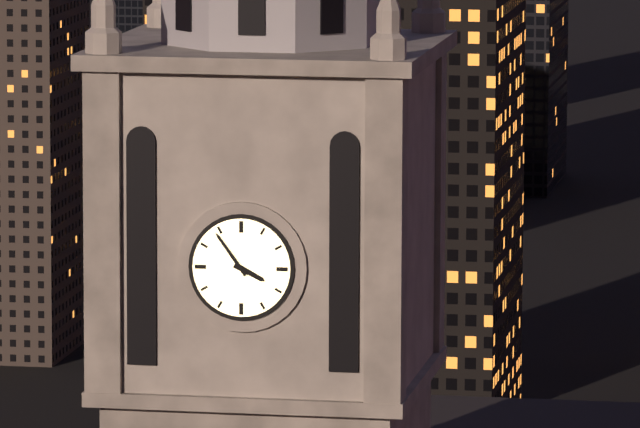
3:54
